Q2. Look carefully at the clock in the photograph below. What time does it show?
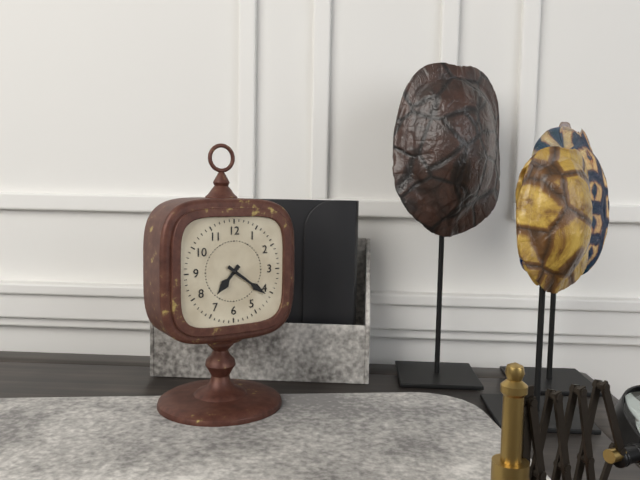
7:21
